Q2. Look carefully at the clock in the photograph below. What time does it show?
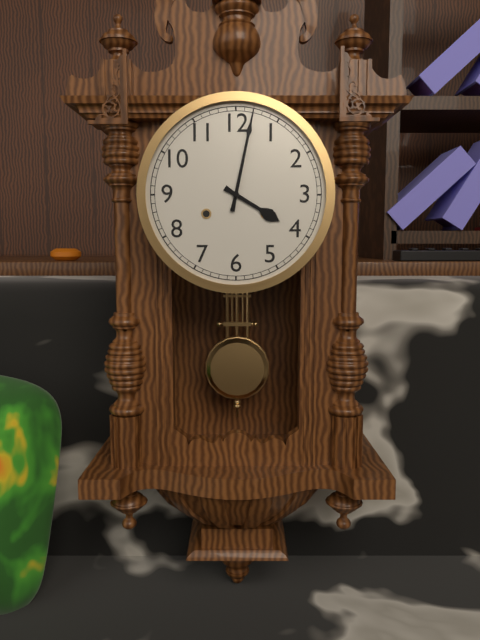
4:02
